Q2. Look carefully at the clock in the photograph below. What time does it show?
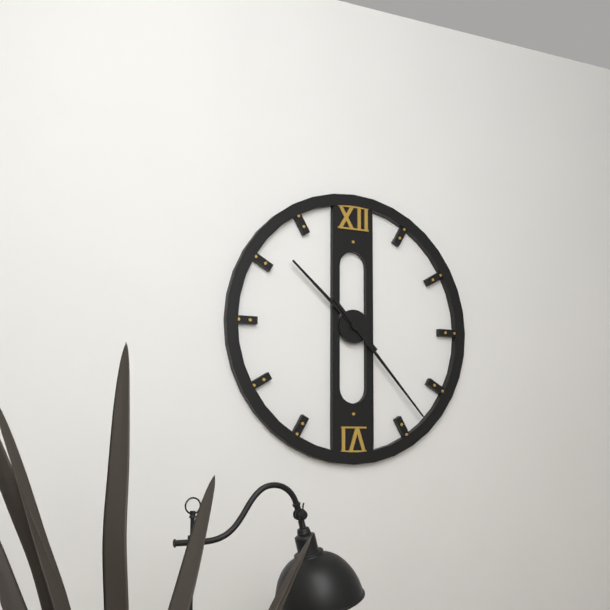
10:23
